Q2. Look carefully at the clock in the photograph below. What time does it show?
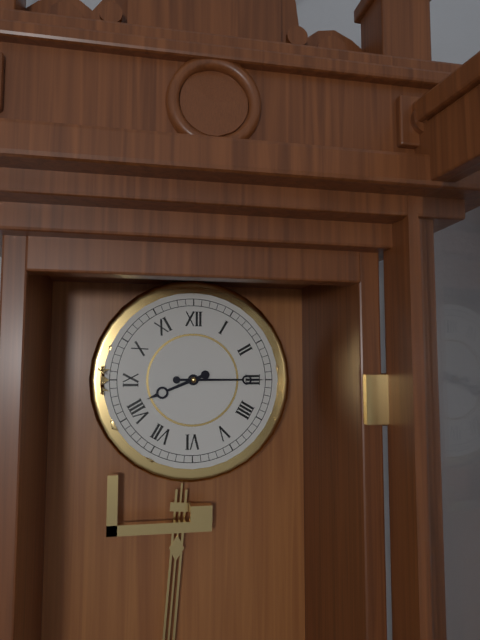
8:15
